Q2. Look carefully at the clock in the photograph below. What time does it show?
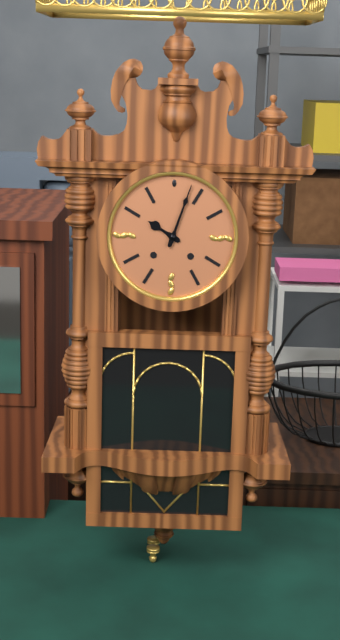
10:03
